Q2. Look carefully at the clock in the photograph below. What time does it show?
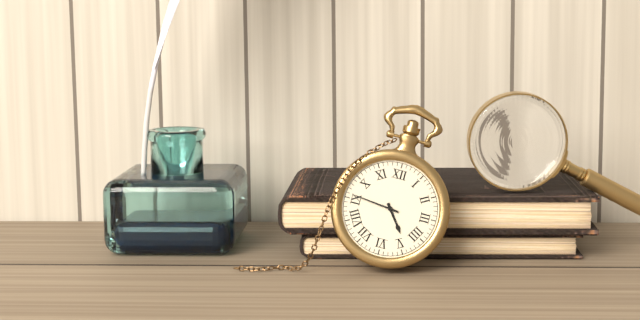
4:46
